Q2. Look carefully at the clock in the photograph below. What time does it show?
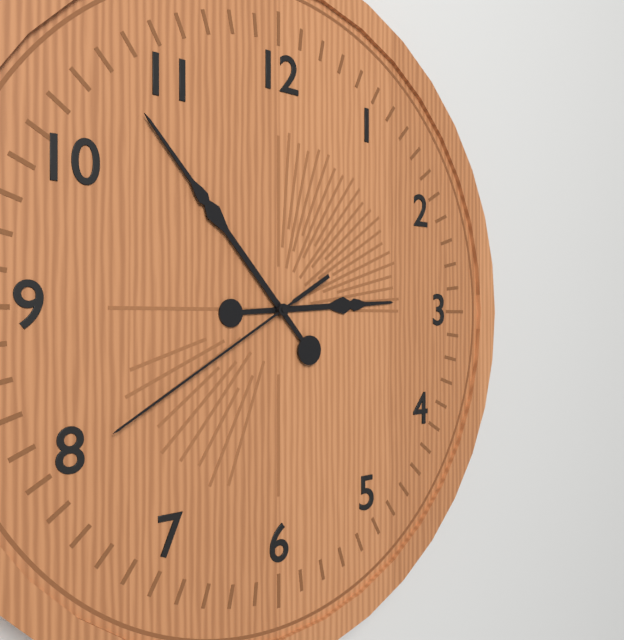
2:53:40
